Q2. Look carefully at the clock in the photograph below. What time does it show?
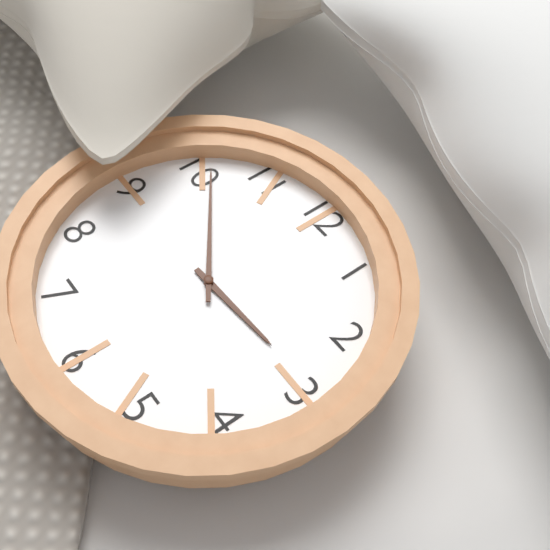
2:51
